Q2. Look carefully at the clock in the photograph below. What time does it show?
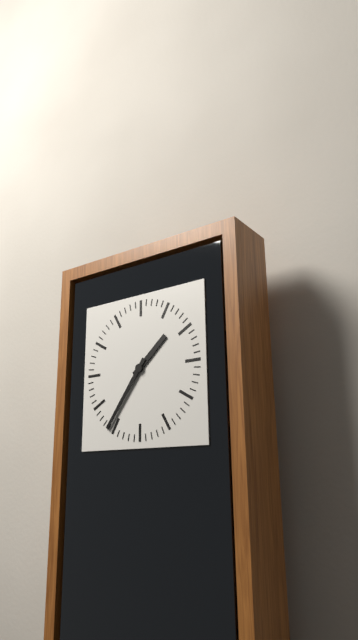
1:36
